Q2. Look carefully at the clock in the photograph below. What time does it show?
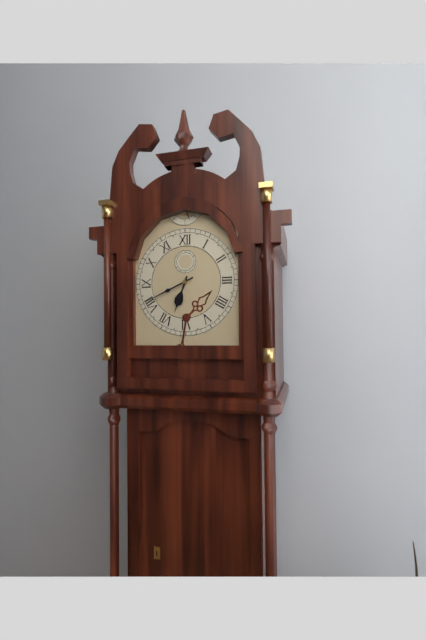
6:41
